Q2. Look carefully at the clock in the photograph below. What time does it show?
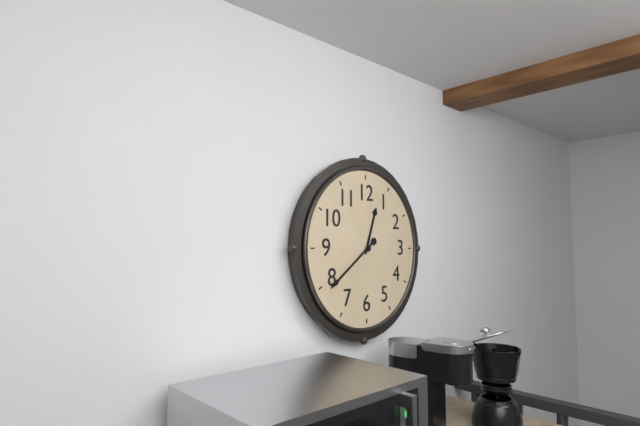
12:39
